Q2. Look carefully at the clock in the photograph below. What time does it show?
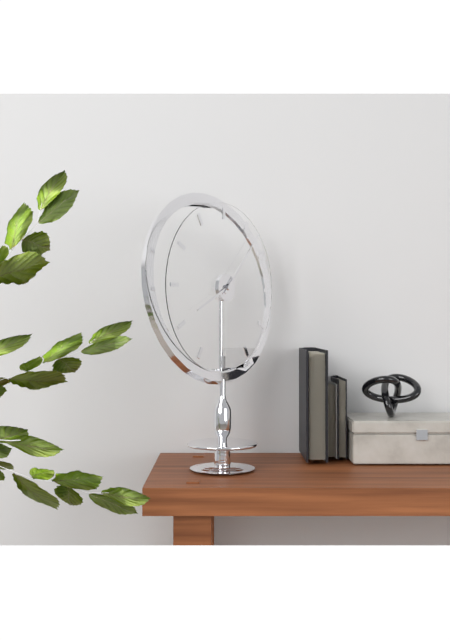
8:07
